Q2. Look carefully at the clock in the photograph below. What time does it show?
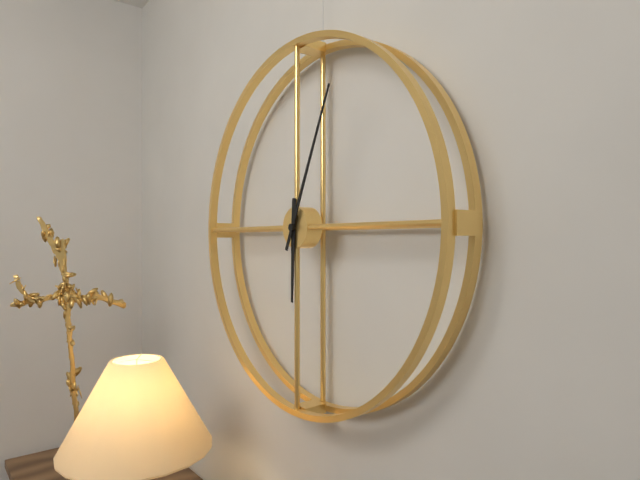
6:04
